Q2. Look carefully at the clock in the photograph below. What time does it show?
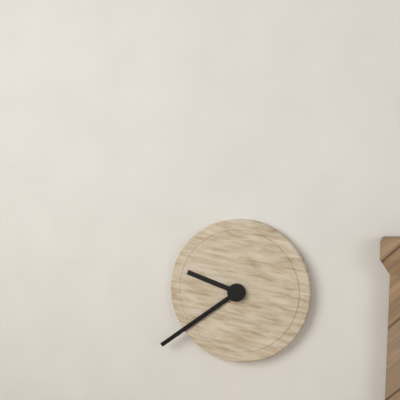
9:39
